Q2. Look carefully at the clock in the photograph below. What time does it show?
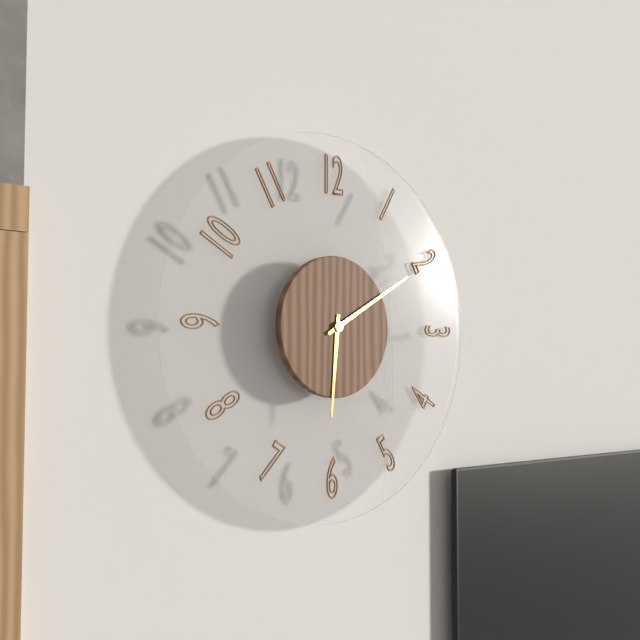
6:10
